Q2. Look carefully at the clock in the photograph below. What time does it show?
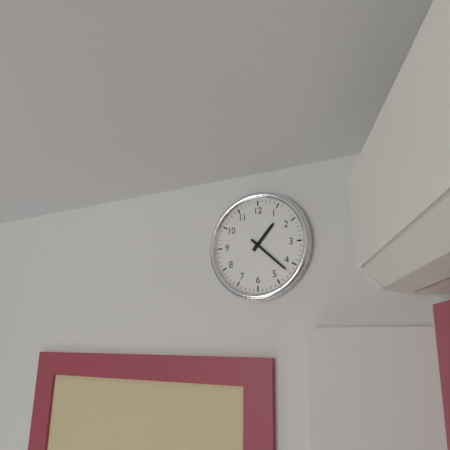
1:22
